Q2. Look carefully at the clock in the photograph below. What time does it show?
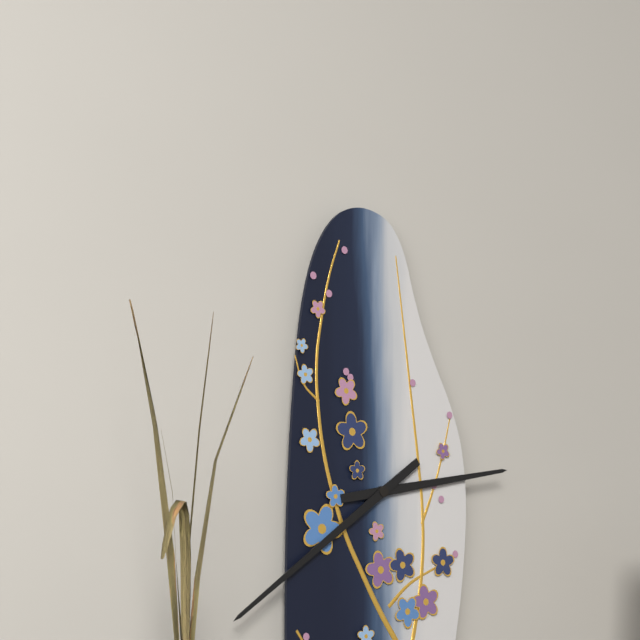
2:39
